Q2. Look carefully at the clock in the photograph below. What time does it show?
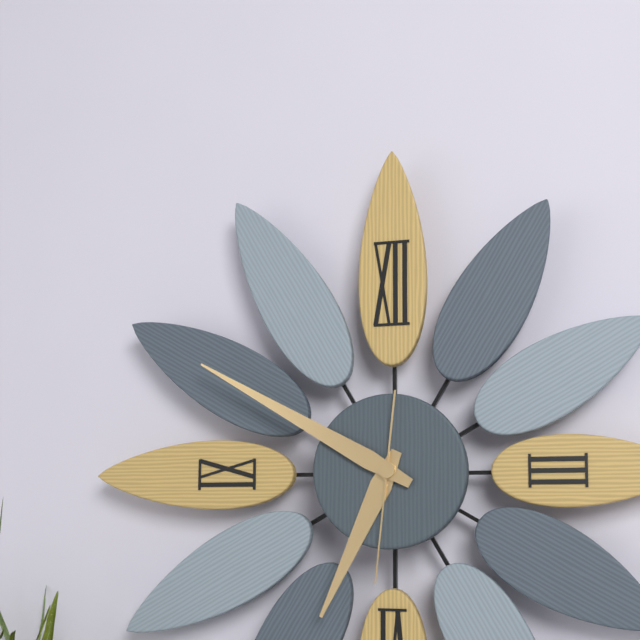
6:50:31
